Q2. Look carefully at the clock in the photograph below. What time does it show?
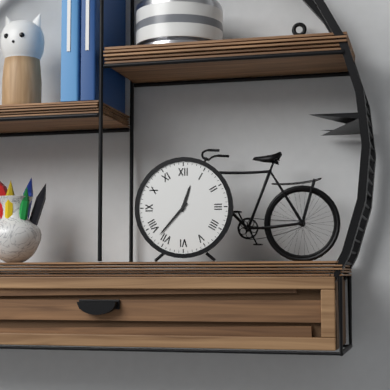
12:37
